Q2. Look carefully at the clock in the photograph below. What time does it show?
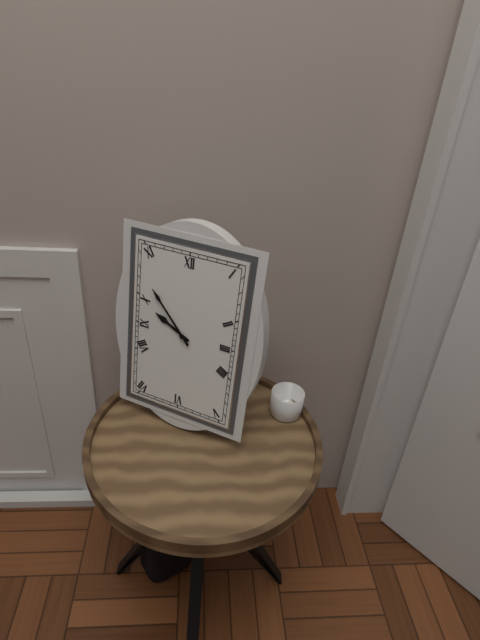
9:53
